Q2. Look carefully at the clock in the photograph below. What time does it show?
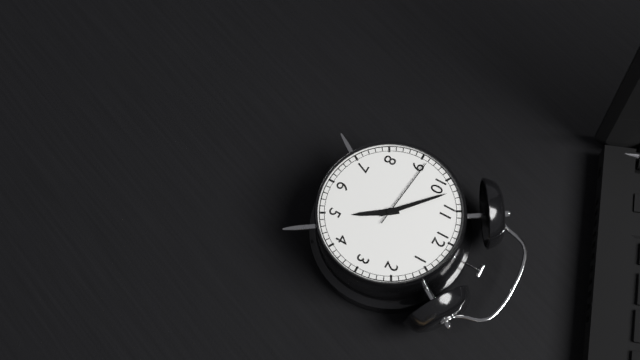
4:52:46
